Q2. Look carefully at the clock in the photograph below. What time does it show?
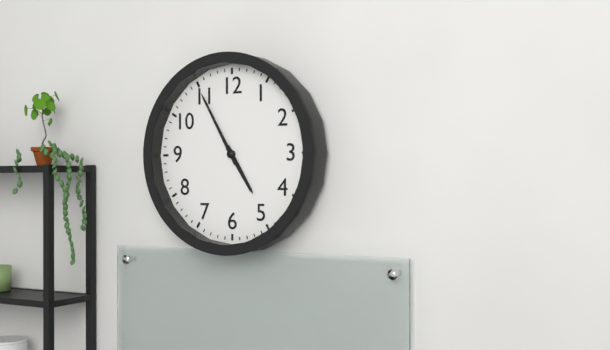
4:55
